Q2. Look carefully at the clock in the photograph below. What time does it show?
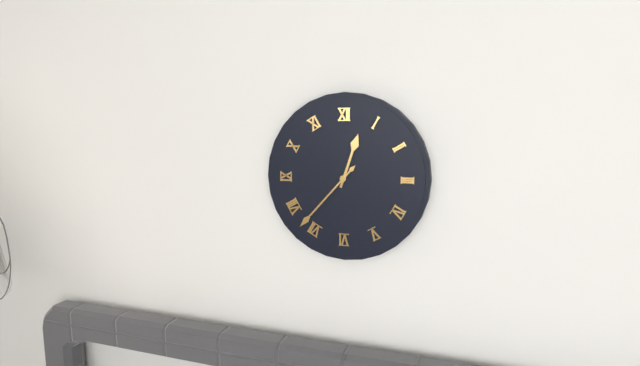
12:37
